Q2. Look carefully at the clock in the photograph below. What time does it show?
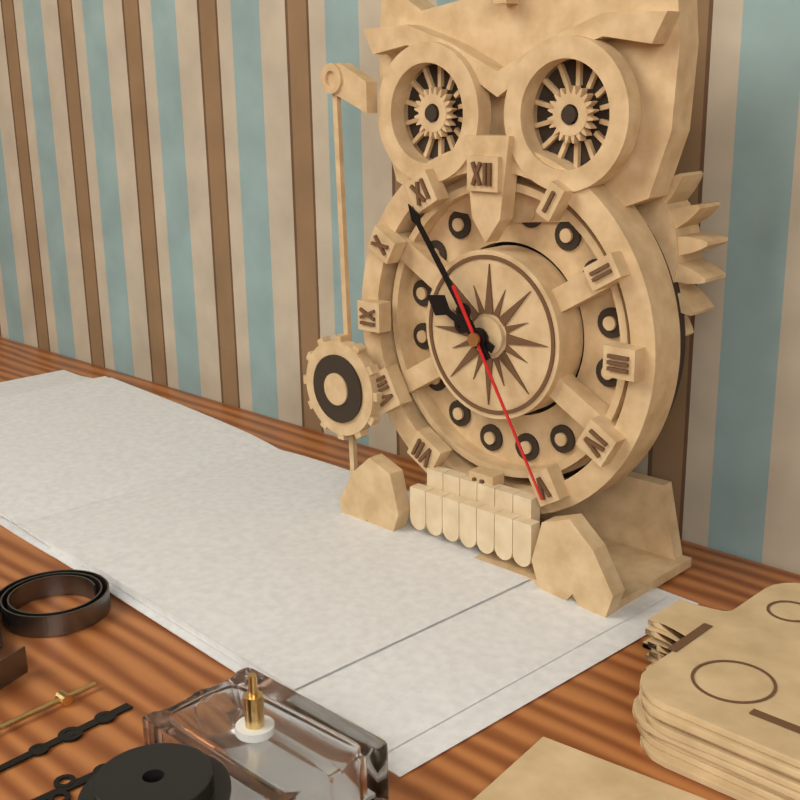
9:54:25
